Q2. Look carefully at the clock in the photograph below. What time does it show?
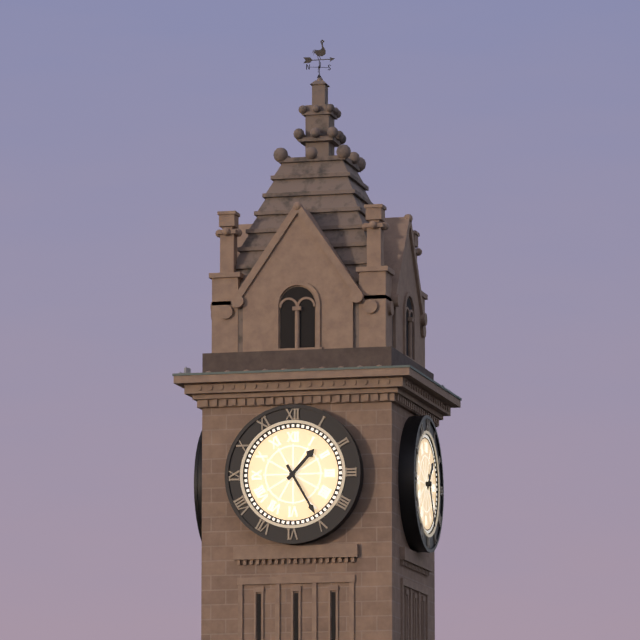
1:25
